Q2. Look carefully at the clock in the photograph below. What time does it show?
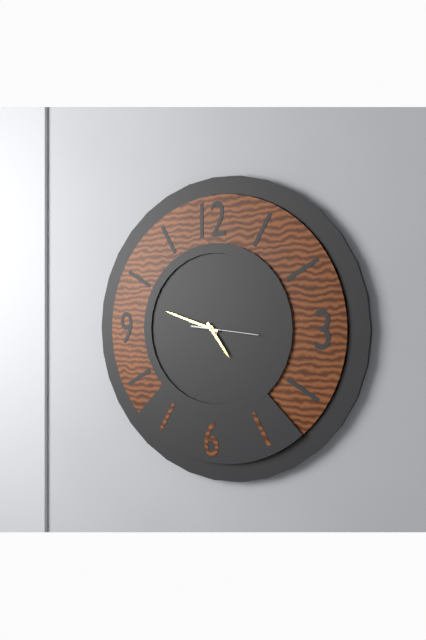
4:48:16
